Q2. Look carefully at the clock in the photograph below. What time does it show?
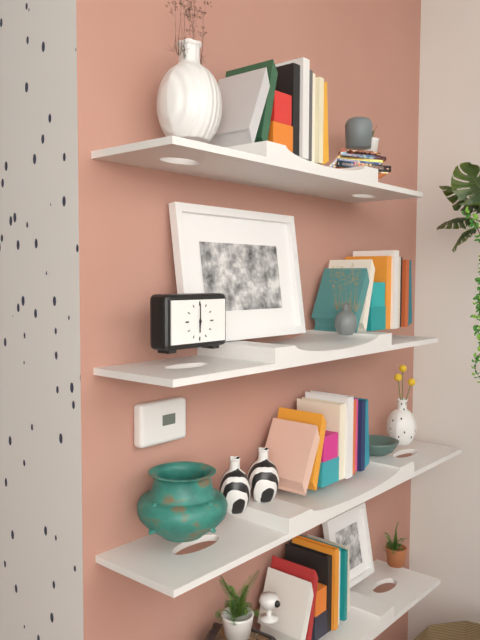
6:00
